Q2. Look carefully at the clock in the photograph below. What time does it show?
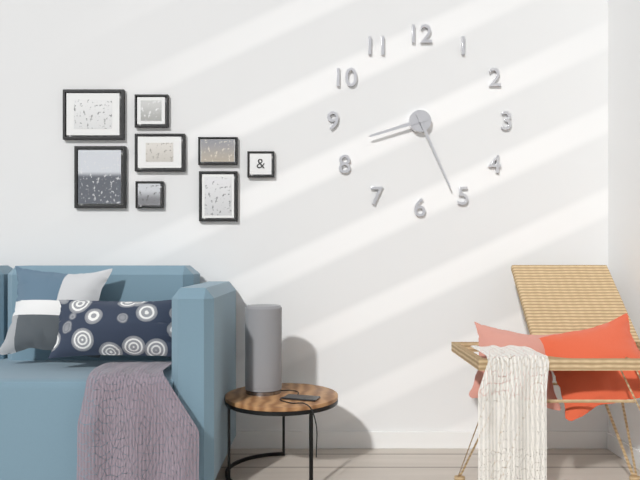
8:26
